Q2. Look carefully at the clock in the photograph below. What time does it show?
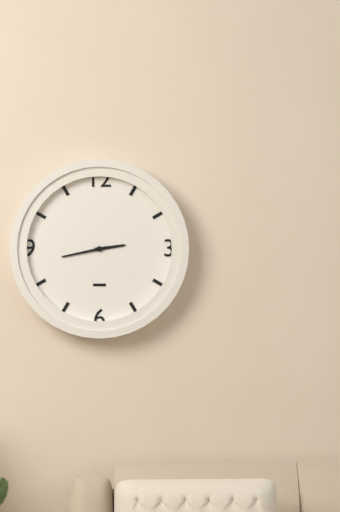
2:43
